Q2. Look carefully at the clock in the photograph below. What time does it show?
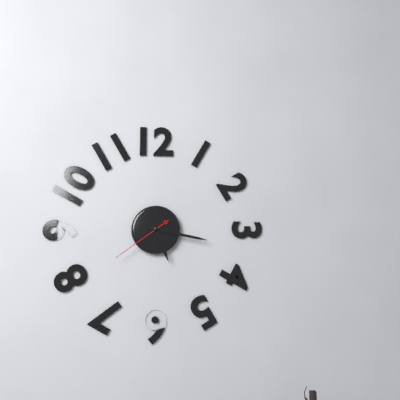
5:17:39
